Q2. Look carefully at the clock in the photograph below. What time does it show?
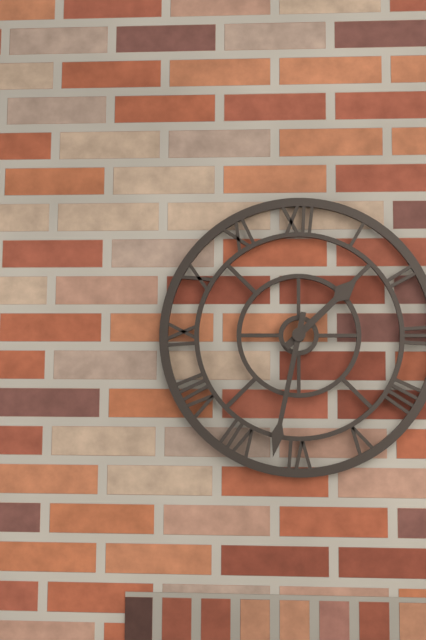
1:32
